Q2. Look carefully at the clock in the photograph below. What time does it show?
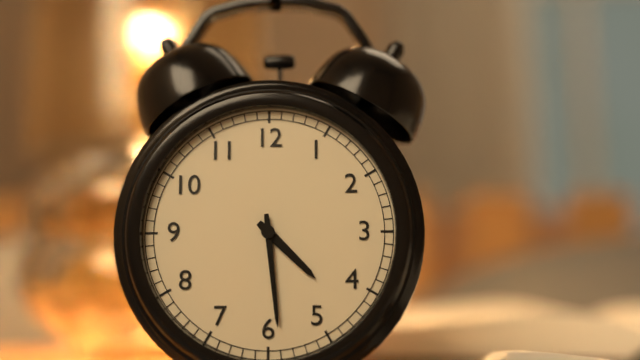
4:29
